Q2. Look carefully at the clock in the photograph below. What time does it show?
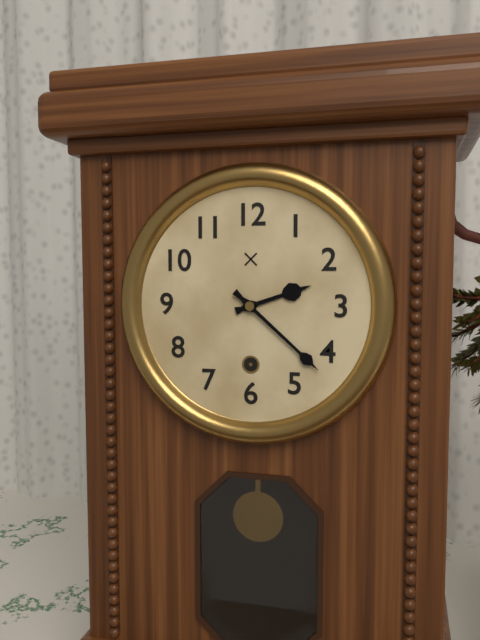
2:22
